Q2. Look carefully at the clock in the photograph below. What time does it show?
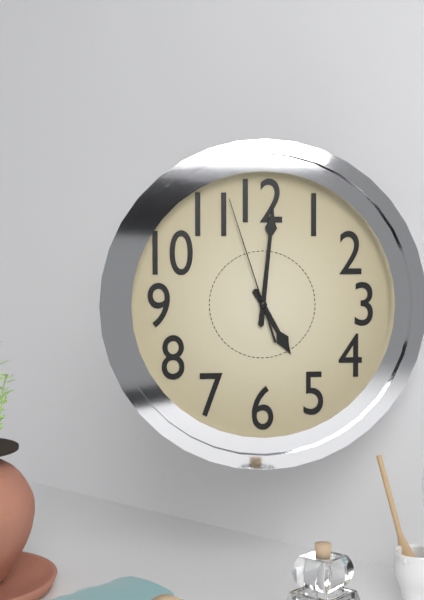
5:01:57
